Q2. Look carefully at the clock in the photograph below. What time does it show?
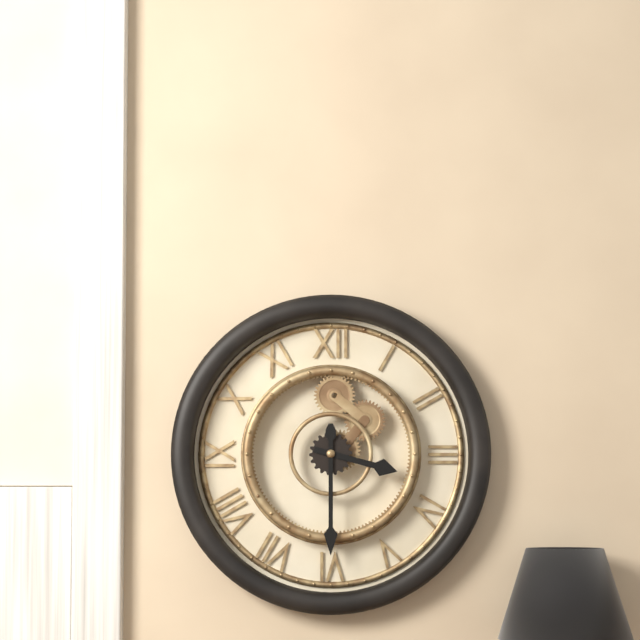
3:30
